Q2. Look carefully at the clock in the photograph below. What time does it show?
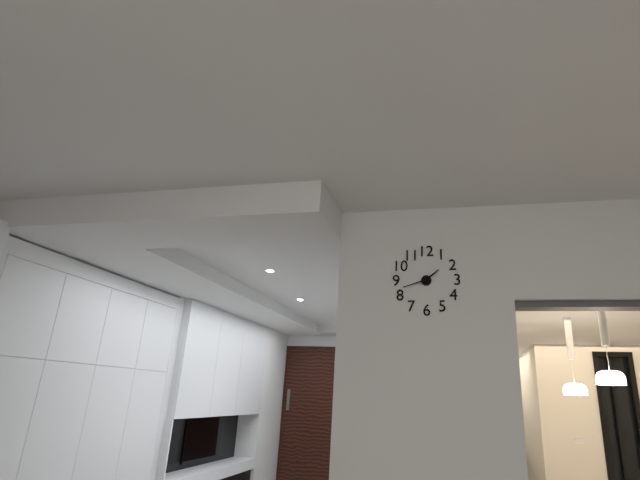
1:42
